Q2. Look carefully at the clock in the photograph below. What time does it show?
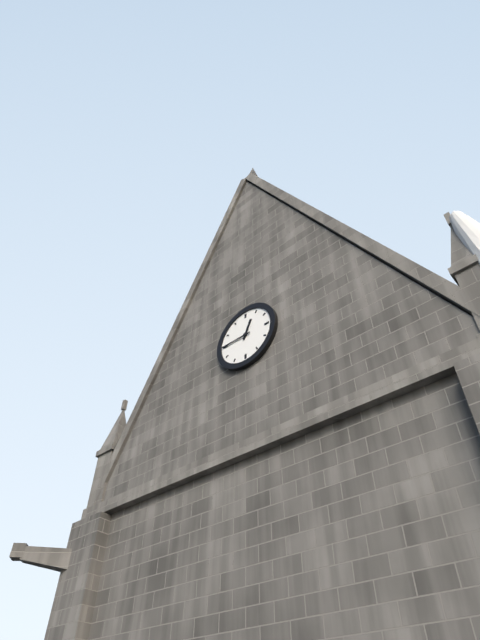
12:45
